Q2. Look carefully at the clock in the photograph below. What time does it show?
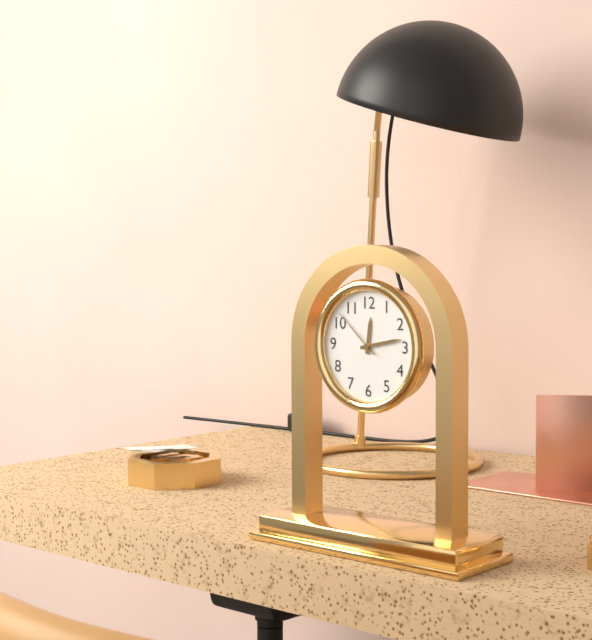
12:13:52
